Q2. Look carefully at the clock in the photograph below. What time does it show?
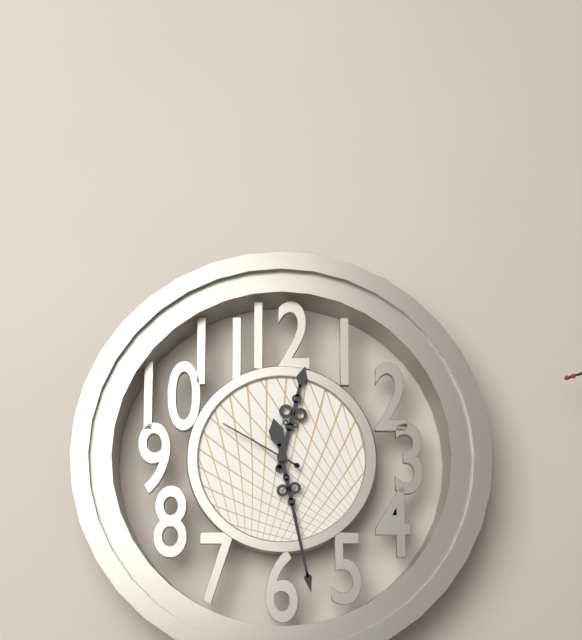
12:28:50
